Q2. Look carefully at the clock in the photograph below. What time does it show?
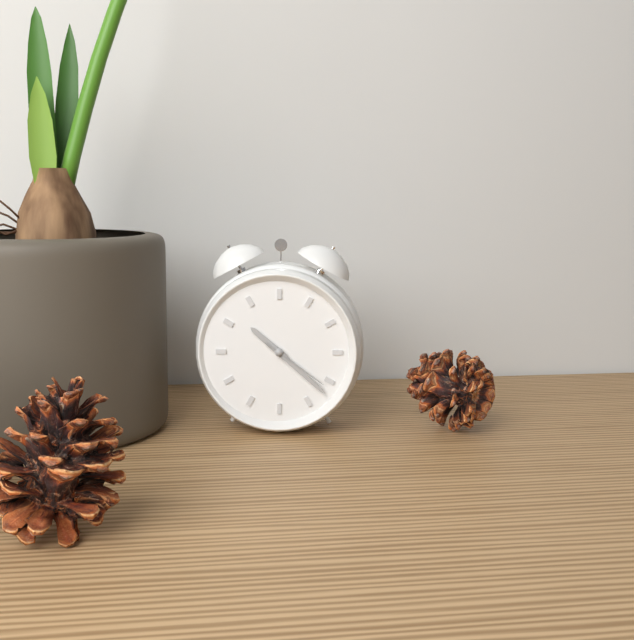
10:22:21
